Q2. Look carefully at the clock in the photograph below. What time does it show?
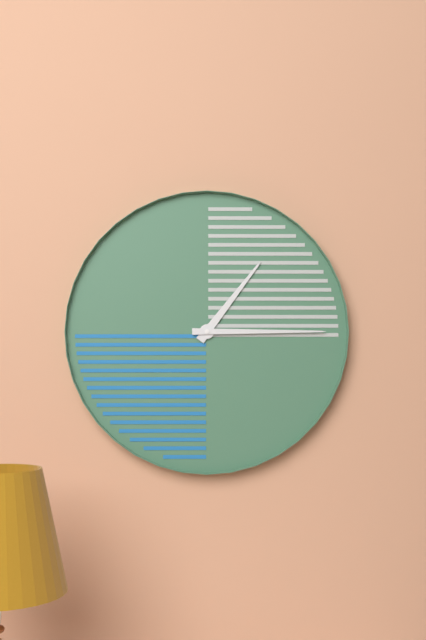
1:15
